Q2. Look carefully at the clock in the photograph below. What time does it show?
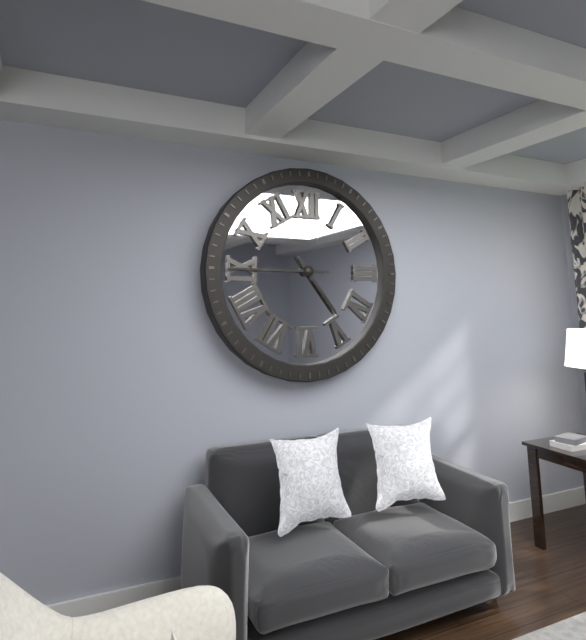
4:45
